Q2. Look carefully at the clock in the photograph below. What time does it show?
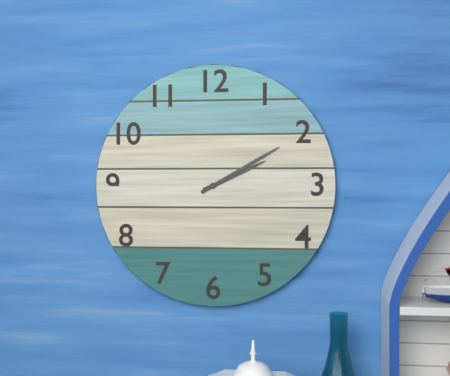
2:10
